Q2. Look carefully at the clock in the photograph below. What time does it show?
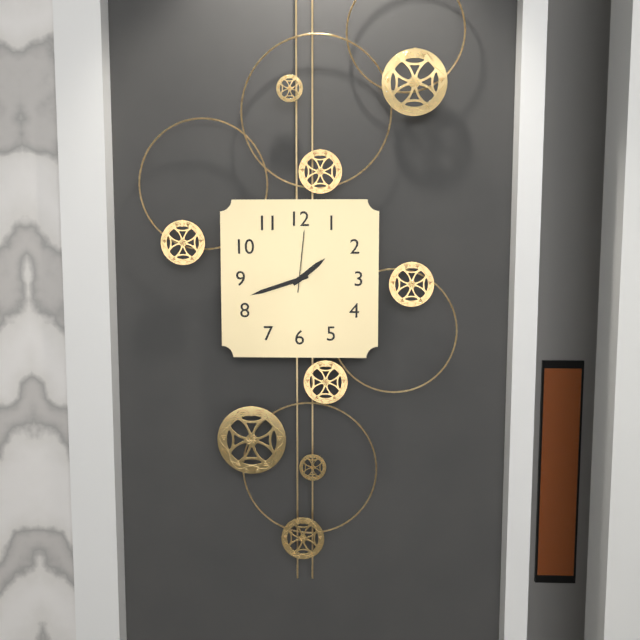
1:42:01
